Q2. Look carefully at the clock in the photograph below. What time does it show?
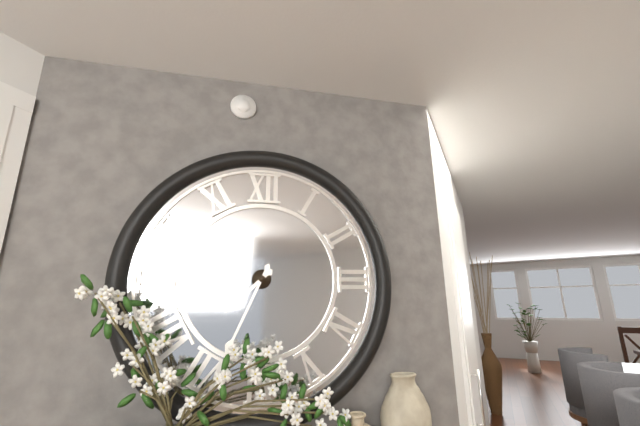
7:34
